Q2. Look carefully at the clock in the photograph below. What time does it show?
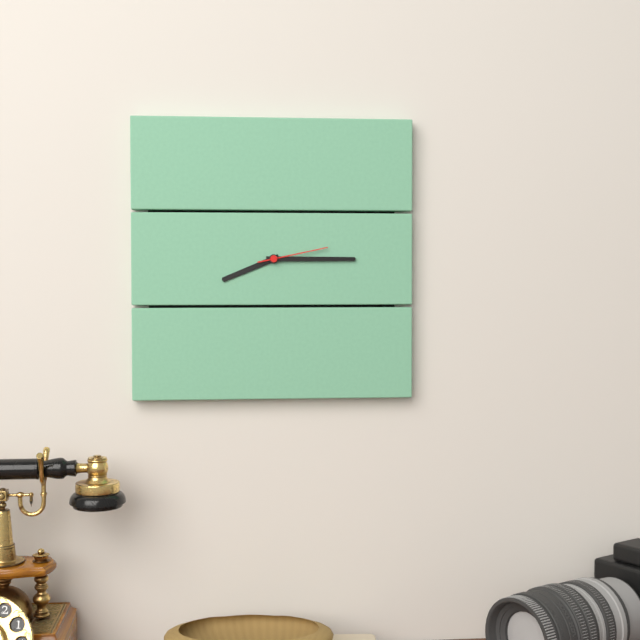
8:15:13
